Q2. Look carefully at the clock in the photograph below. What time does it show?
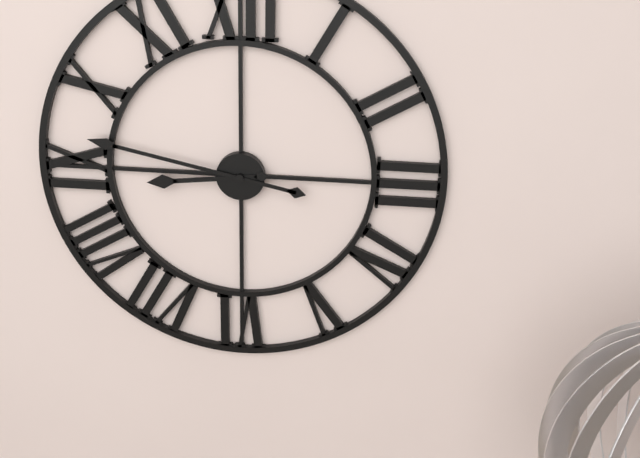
8:47
